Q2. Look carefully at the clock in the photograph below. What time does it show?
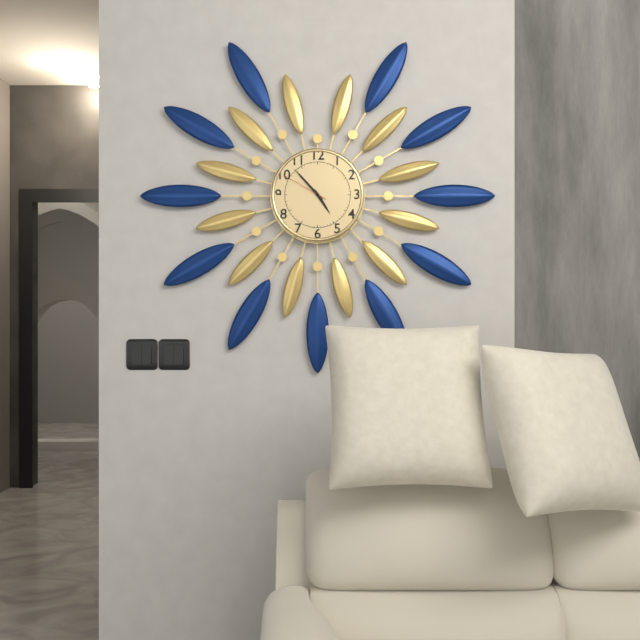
4:53
